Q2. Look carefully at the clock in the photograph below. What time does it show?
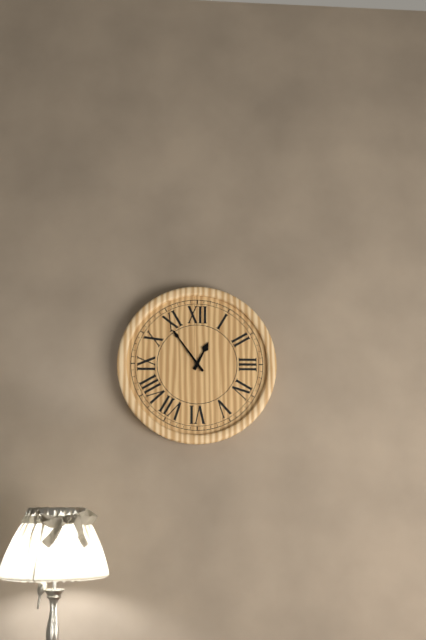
12:54
